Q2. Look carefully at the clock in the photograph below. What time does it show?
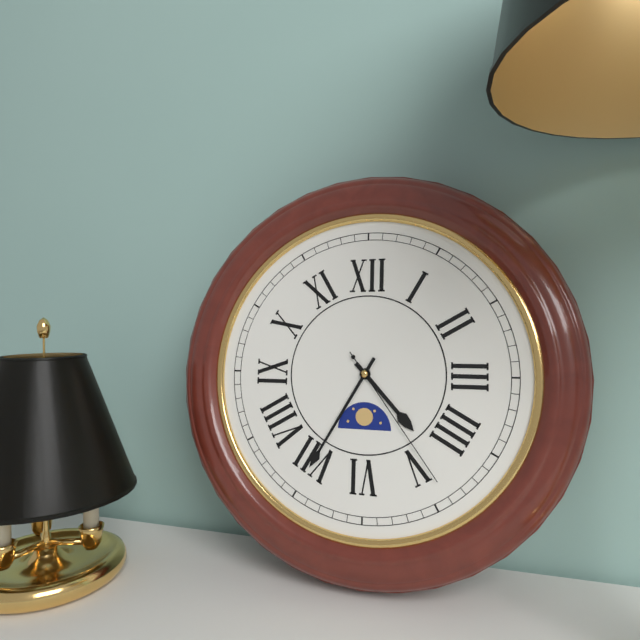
4:35:24
